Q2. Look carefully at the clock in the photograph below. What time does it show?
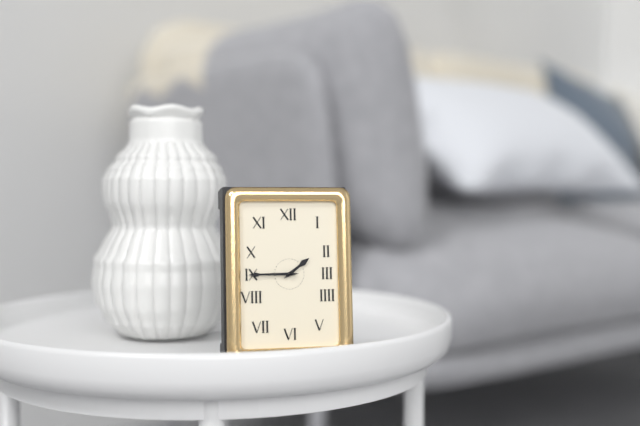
1:45
